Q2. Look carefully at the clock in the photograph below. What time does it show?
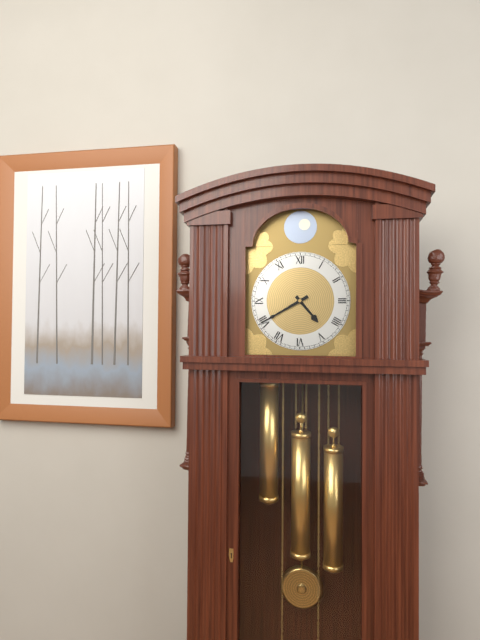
4:40
